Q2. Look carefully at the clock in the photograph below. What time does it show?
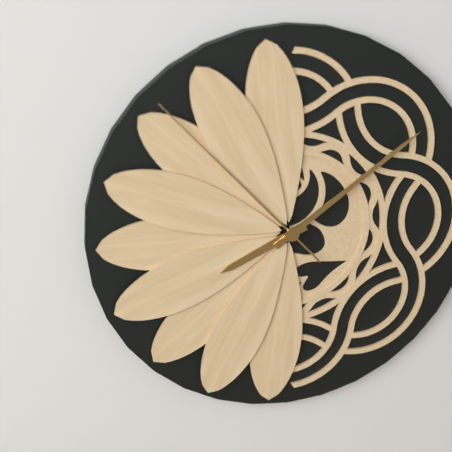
8:09:53
